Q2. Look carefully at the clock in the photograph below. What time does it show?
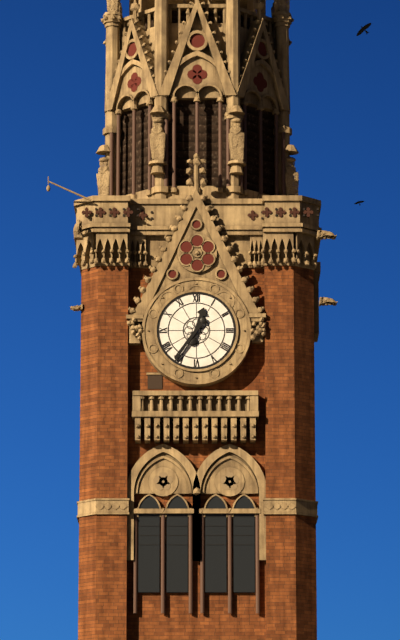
12:36
